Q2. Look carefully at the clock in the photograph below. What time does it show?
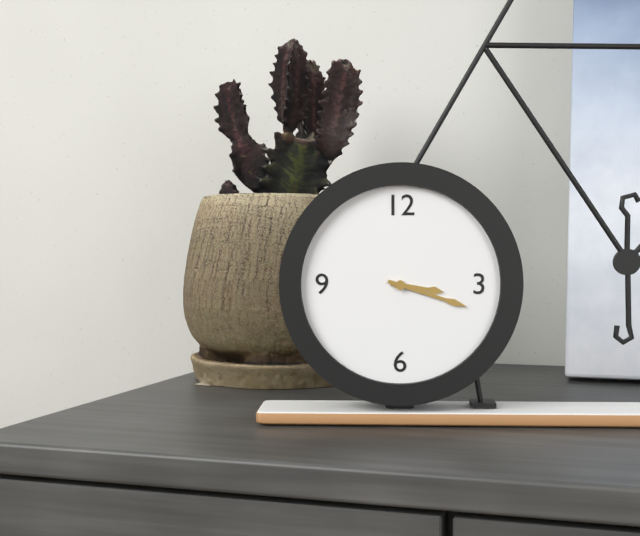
3:18
